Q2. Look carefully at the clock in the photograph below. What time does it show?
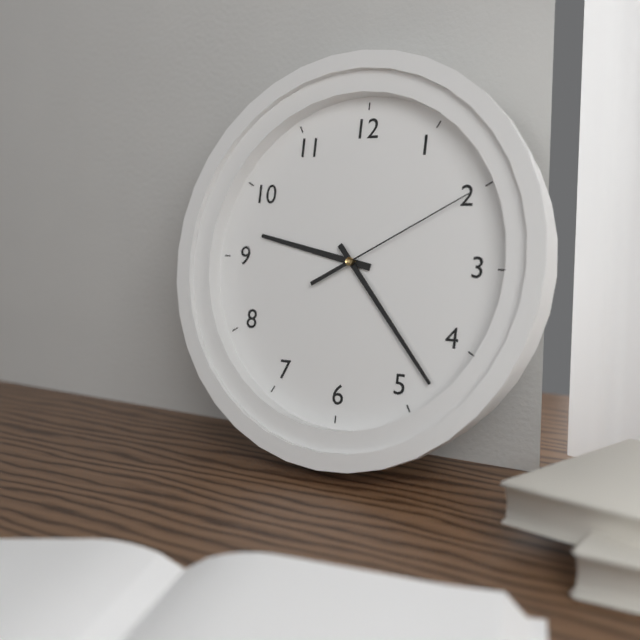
9:23:10
